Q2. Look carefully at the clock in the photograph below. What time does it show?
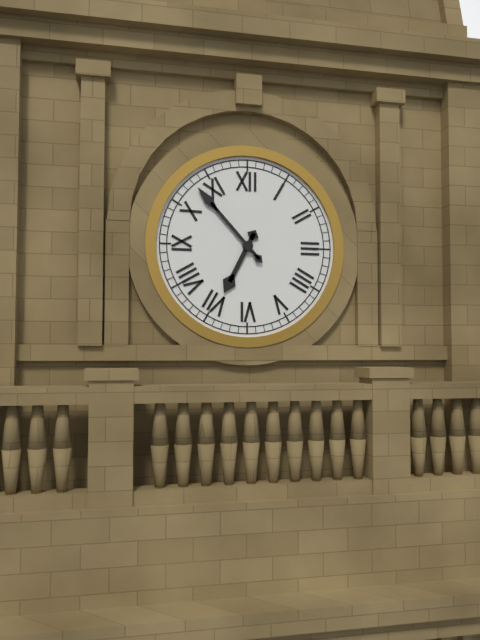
6:53
